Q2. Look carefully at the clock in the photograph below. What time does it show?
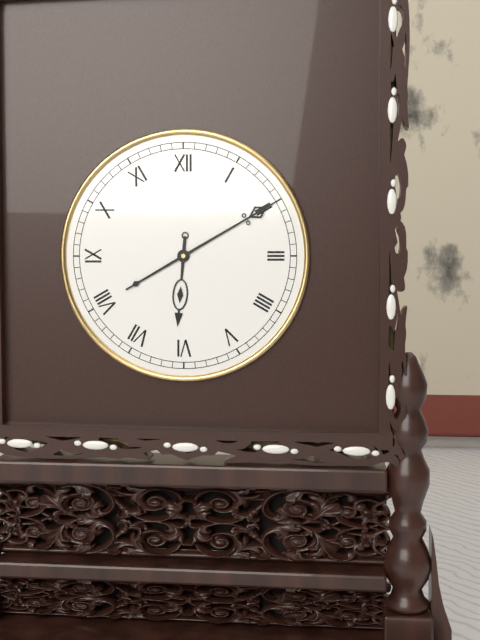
6:10
